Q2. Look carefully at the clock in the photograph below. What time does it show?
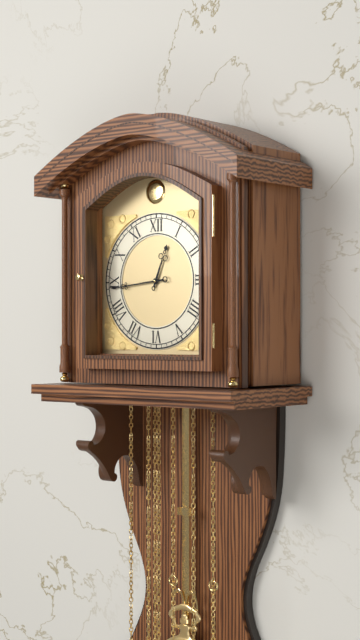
12:44
